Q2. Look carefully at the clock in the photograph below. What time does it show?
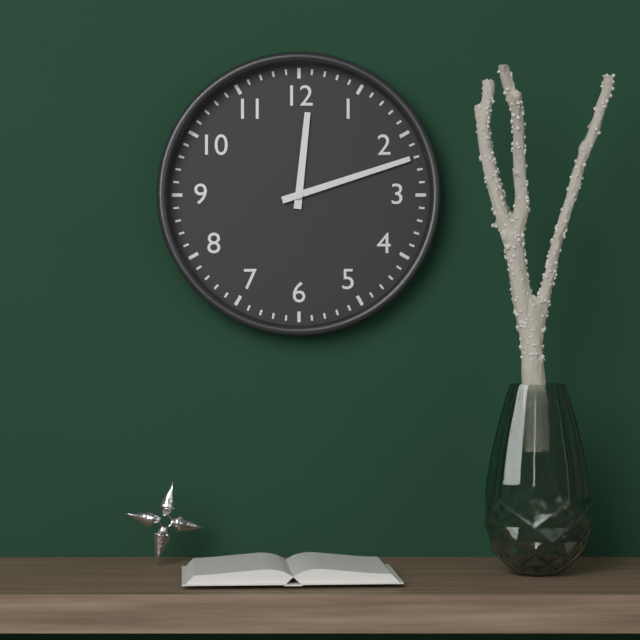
12:12
